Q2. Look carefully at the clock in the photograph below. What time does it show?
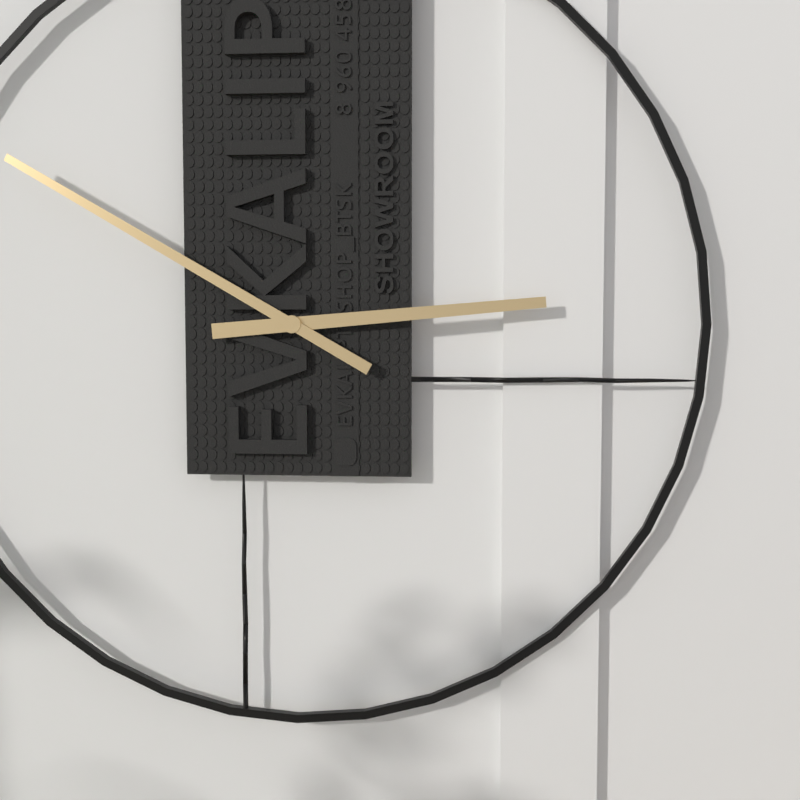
2:50
